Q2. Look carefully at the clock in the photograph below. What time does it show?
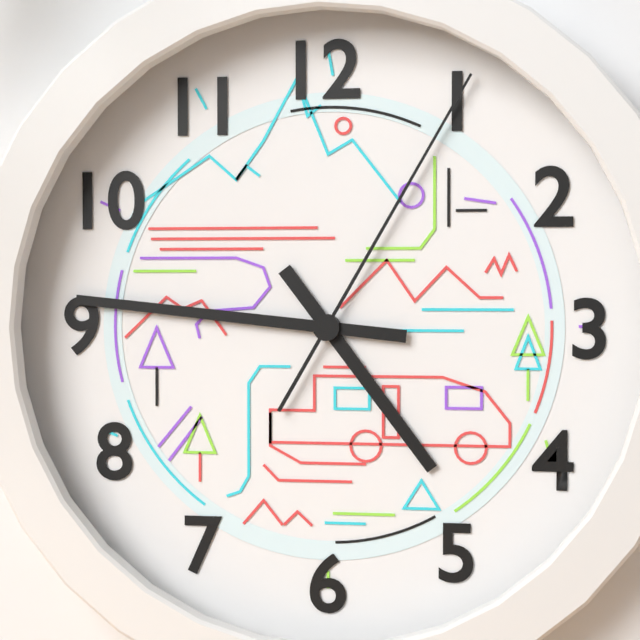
4:46:05
